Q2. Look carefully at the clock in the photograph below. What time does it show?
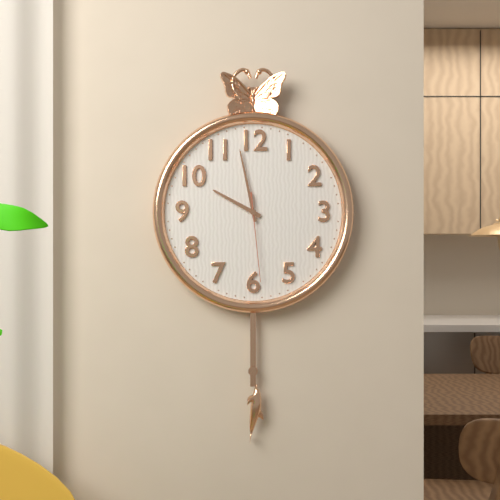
9:58:29
